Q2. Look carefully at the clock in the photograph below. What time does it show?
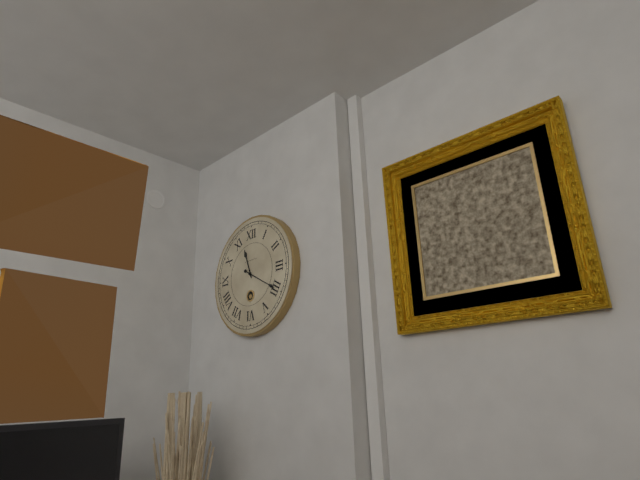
11:20
